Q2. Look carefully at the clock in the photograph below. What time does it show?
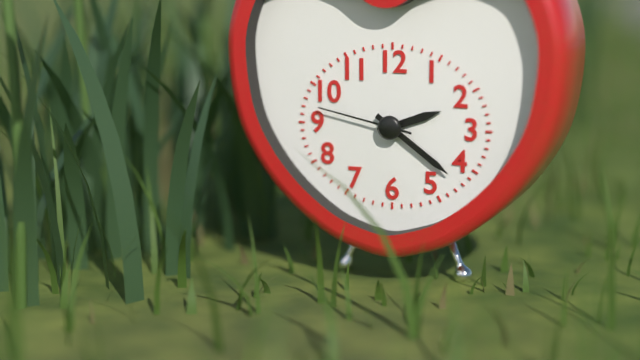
2:21:47
